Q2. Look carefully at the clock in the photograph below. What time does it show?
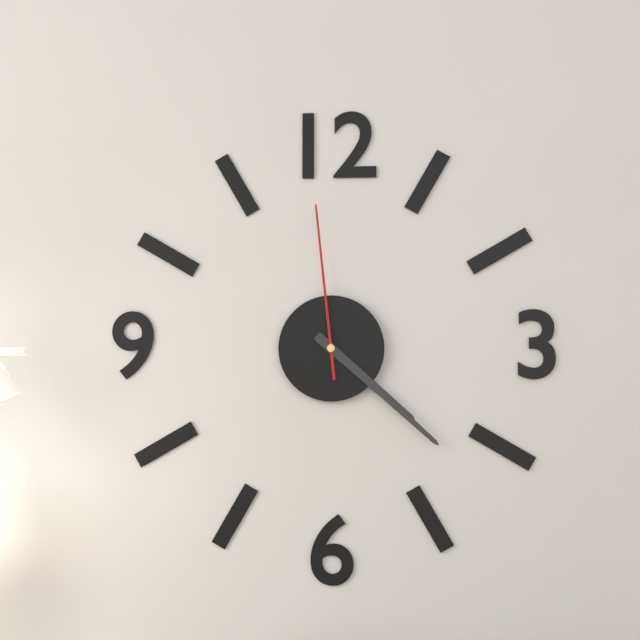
4:22:59
